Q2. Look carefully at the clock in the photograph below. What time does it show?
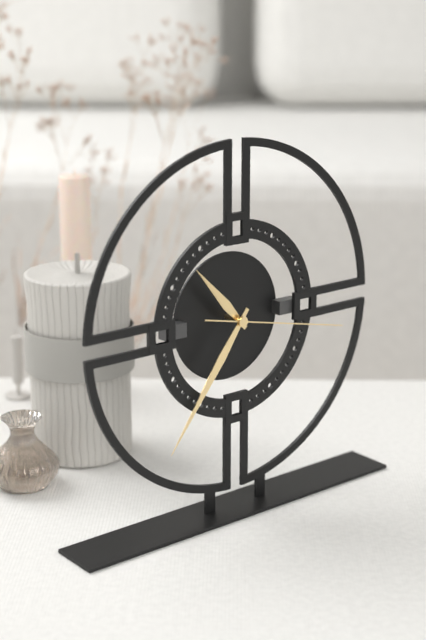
10:36:17
